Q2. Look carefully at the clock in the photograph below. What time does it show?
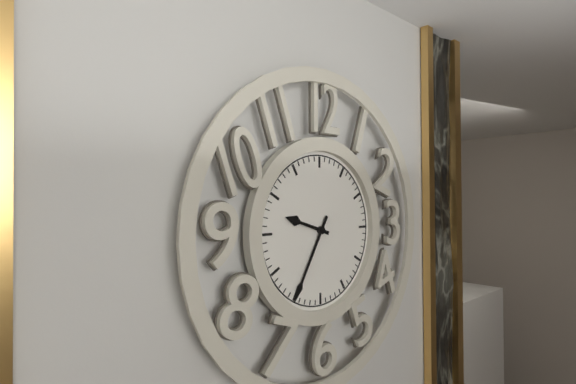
9:35
